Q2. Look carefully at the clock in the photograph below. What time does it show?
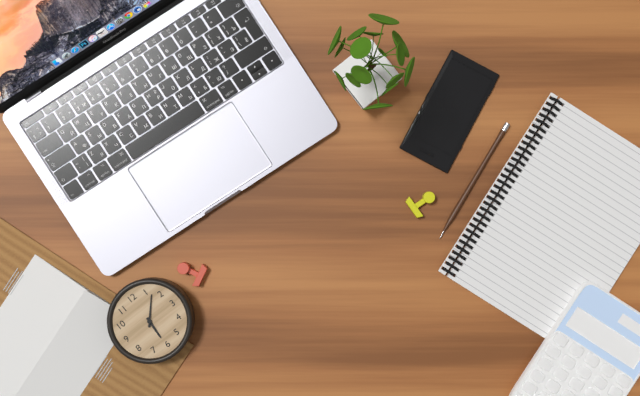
6:07
